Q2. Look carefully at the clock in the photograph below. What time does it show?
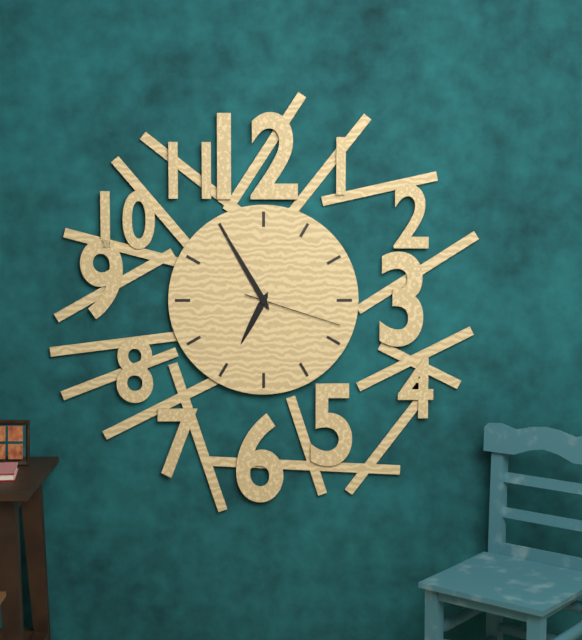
6:55:18
